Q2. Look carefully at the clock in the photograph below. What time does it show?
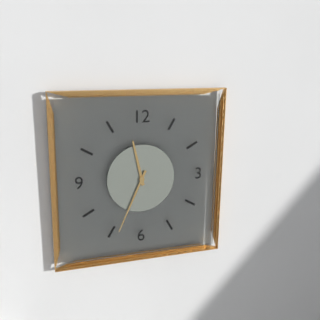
11:34
